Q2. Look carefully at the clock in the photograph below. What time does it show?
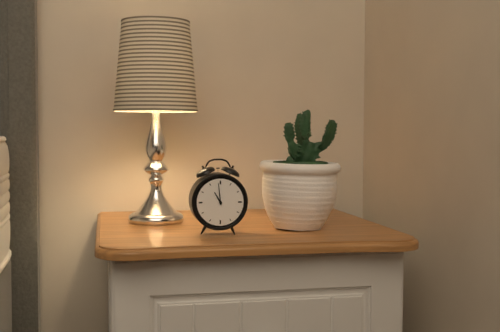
10:59
